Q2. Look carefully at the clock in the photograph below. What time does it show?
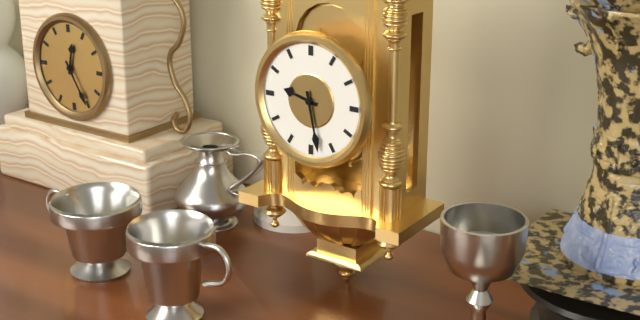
9:28
